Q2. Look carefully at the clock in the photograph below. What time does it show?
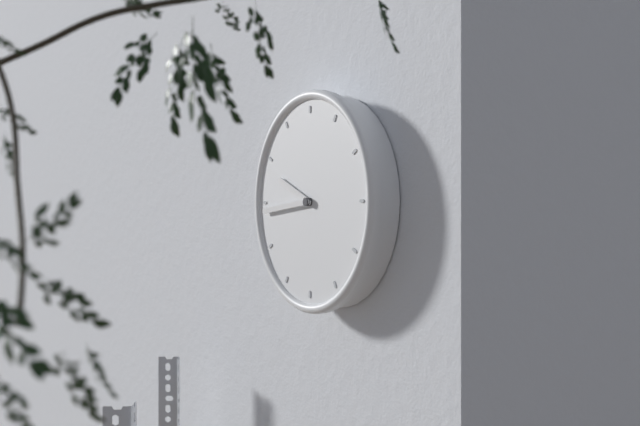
9:44
